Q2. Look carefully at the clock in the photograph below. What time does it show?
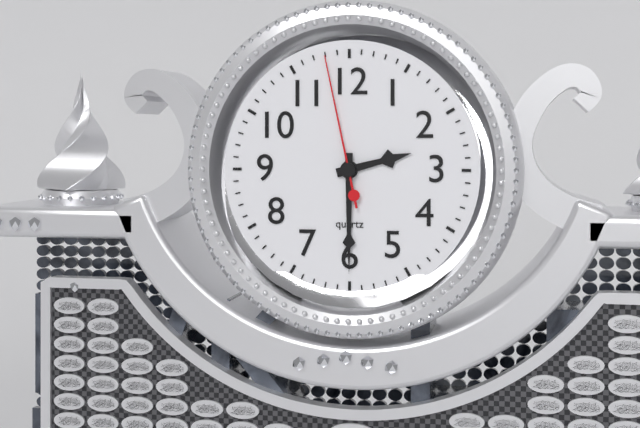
2:30:58
